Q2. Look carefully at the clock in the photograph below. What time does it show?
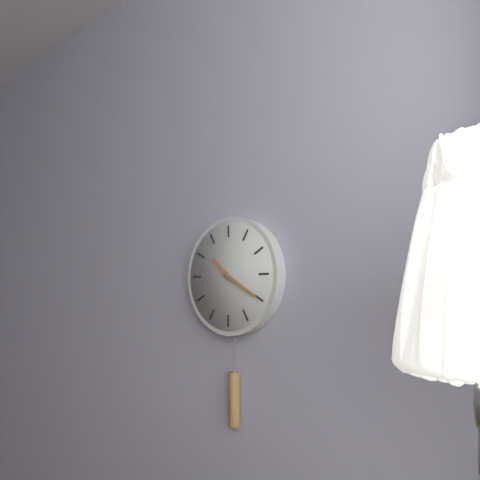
10:20
